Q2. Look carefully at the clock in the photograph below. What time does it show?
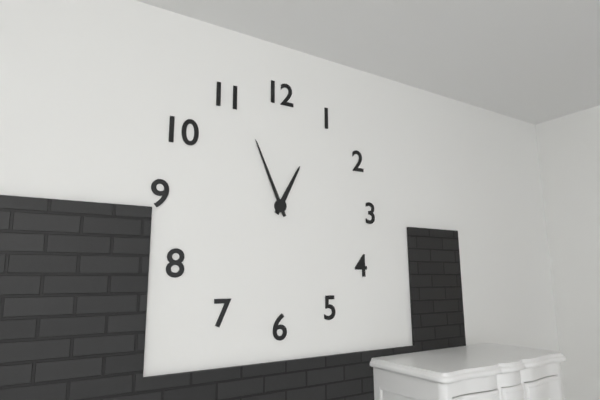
12:56
